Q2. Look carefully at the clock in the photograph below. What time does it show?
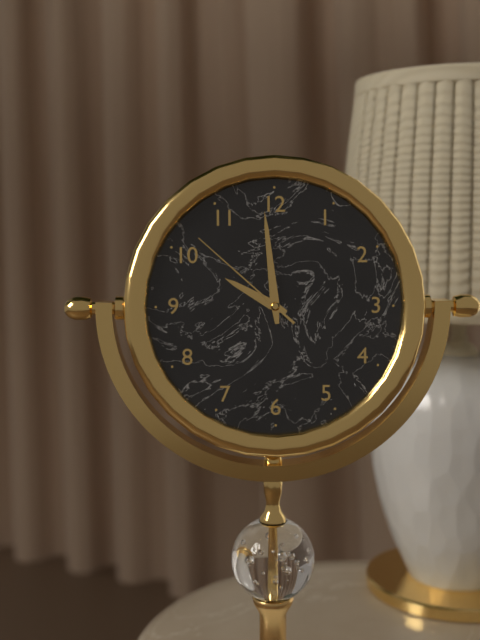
9:59:52
